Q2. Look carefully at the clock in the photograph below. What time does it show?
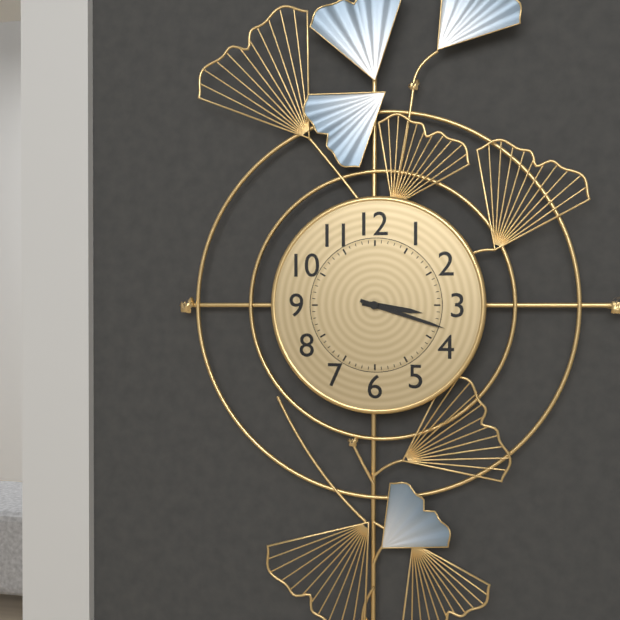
3:18
